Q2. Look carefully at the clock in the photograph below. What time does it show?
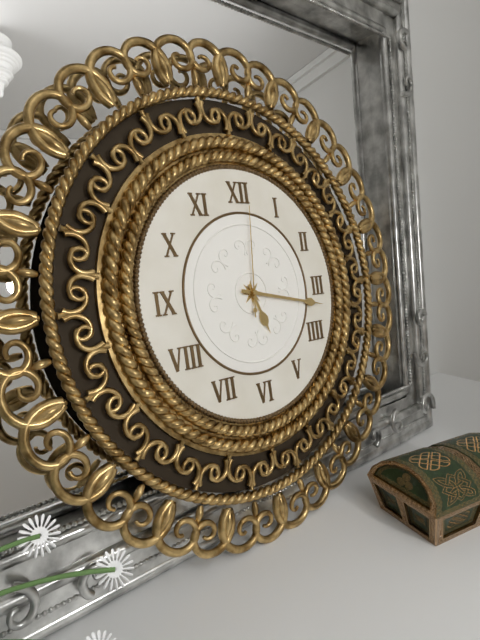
5:17:01
